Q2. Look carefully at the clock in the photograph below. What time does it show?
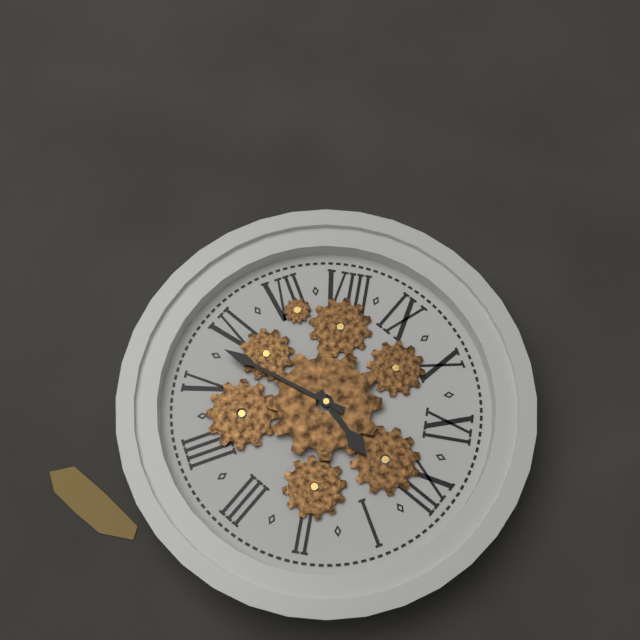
12:28
